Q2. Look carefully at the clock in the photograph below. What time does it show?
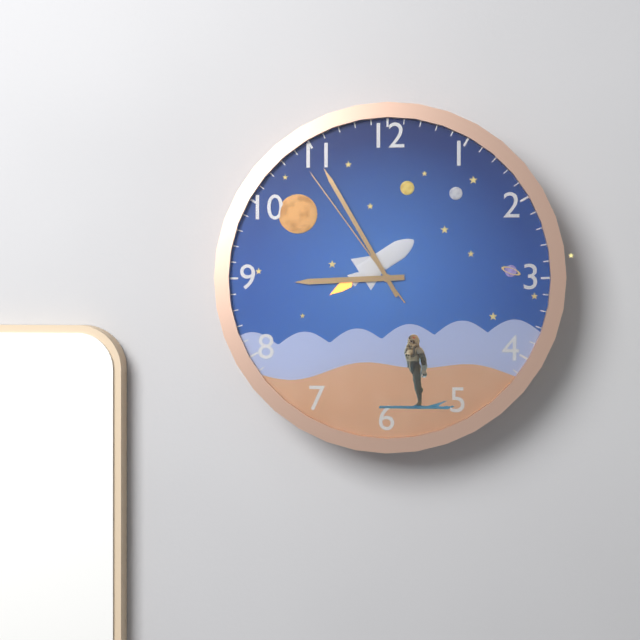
8:55:54
